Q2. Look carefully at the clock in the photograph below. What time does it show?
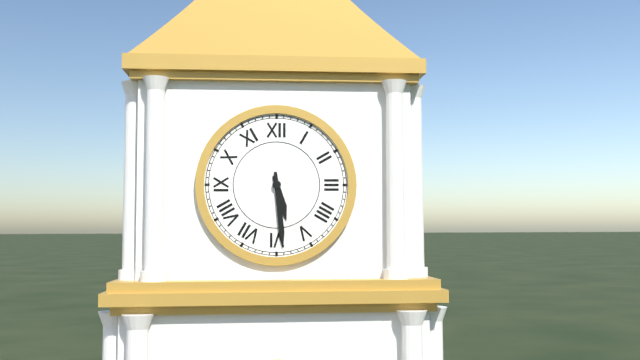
5:29
